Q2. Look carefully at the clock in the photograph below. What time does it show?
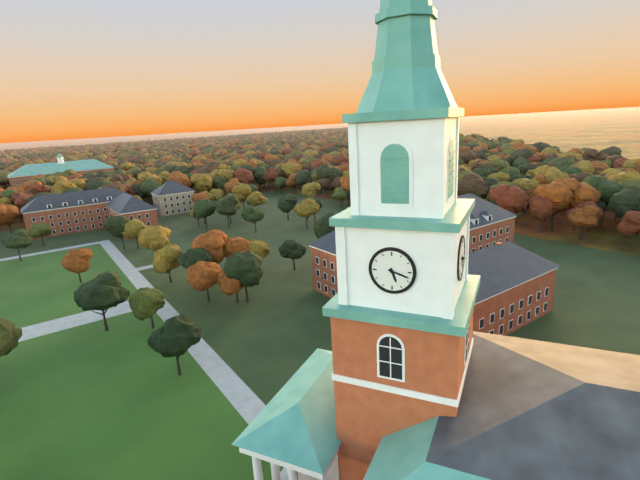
5:18
